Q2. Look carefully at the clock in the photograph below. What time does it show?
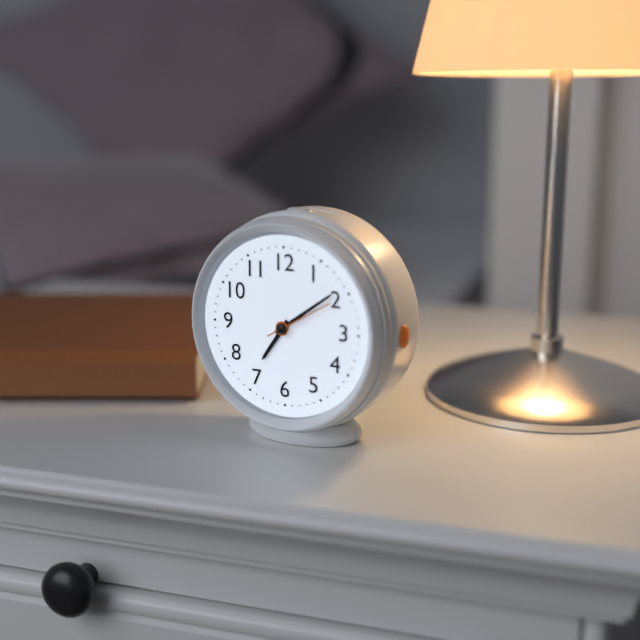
7:09
